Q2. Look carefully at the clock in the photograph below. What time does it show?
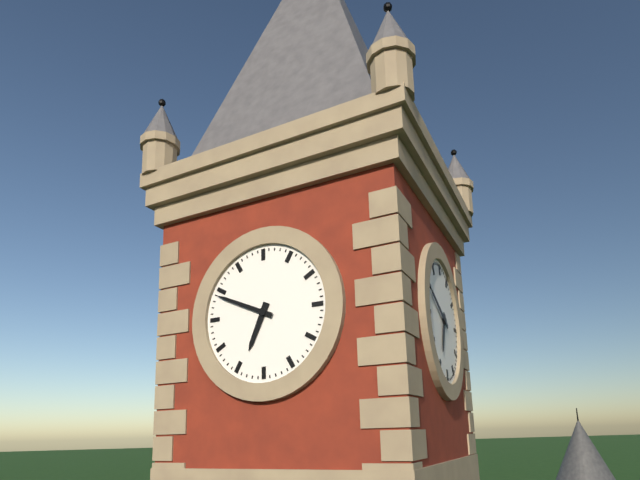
6:49
